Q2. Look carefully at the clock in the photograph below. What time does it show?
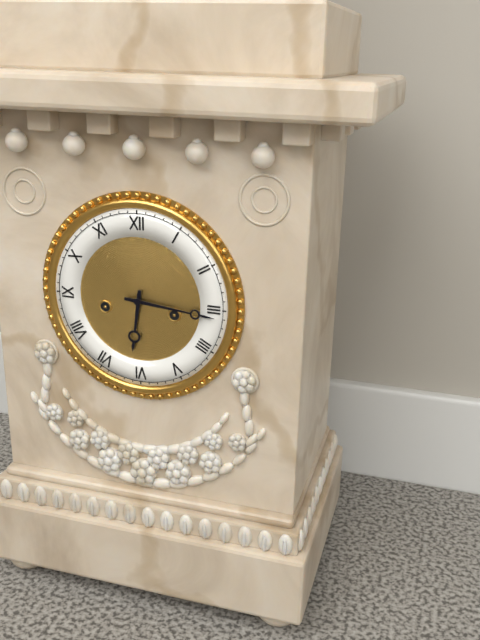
6:16
